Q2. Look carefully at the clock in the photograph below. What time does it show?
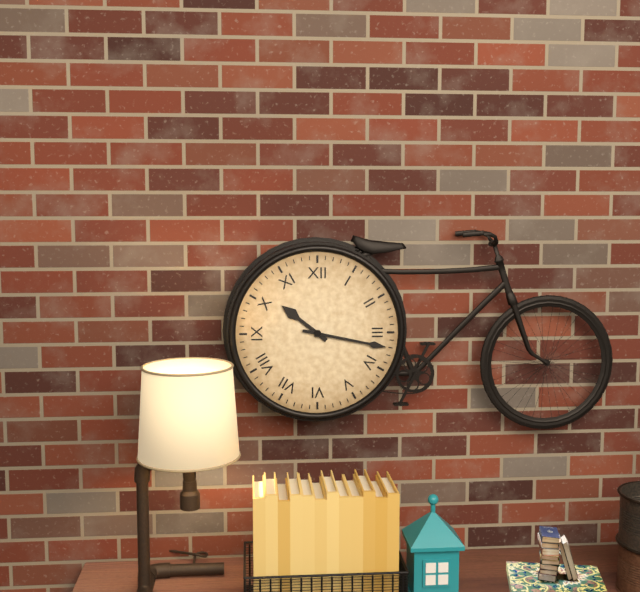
10:17
